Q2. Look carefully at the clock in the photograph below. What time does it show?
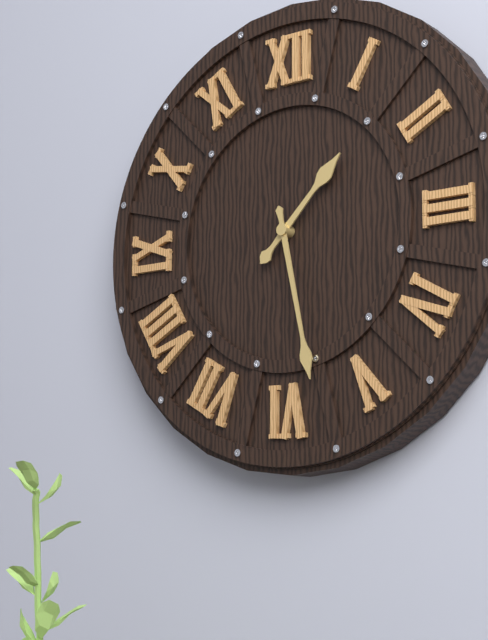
1:28
